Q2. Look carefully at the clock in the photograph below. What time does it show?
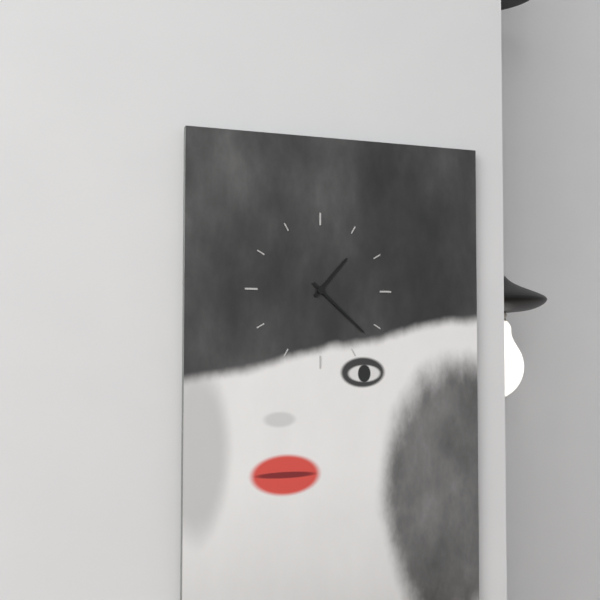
1:22
